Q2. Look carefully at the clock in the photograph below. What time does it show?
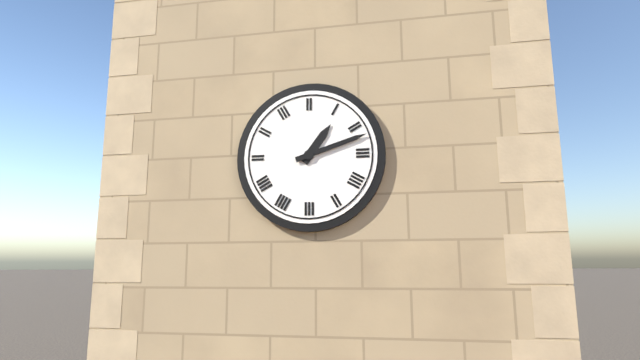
1:12
